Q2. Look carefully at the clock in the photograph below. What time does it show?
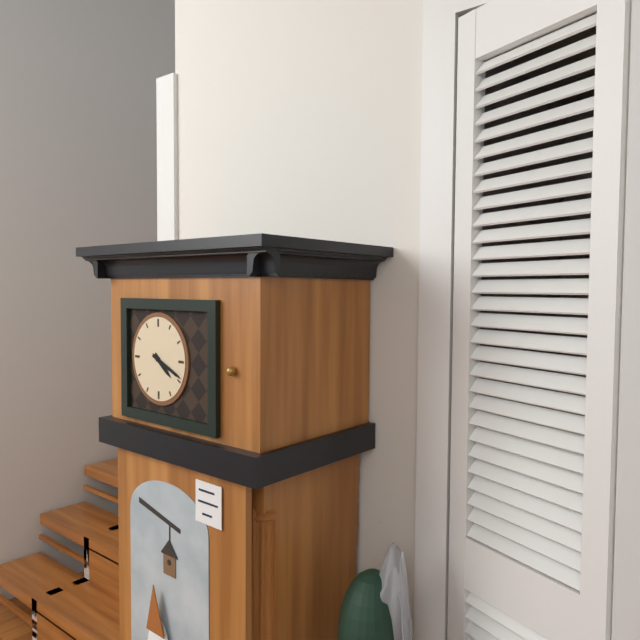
4:19
